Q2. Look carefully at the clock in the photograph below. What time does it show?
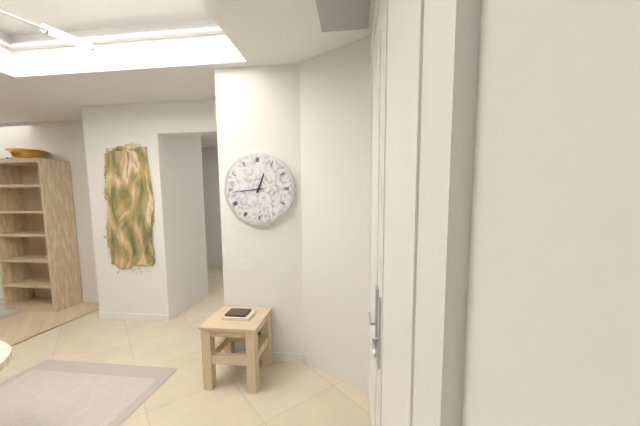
12:44
